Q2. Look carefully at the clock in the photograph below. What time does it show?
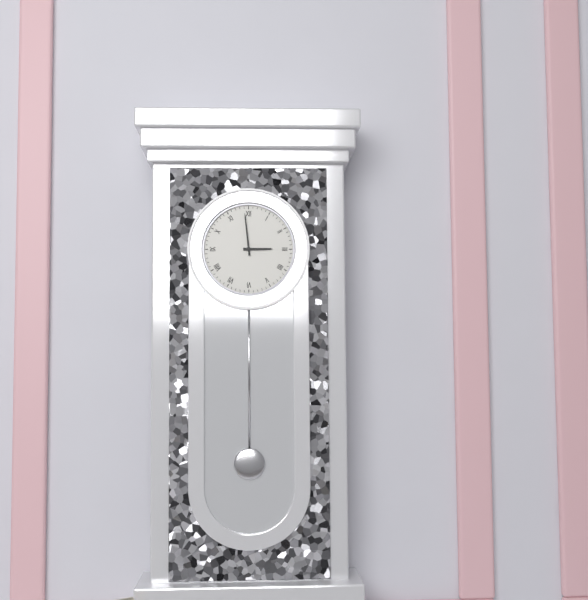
2:59
